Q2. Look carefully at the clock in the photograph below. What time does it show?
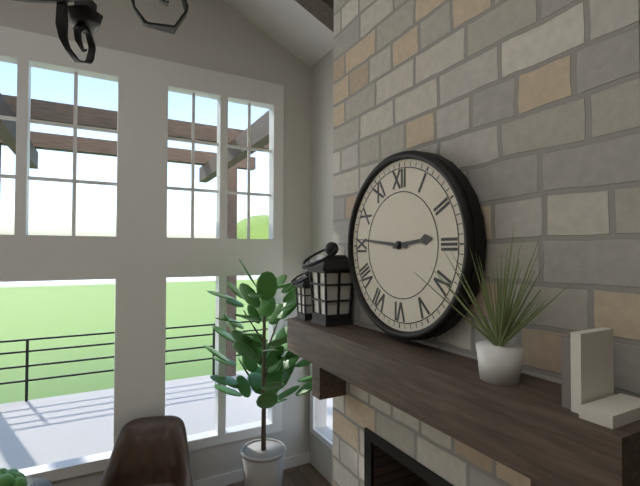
2:46
